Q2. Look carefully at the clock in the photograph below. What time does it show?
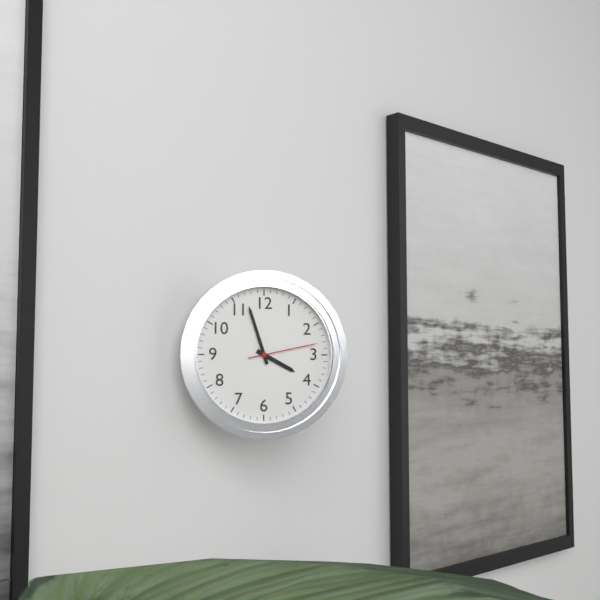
3:57:13
